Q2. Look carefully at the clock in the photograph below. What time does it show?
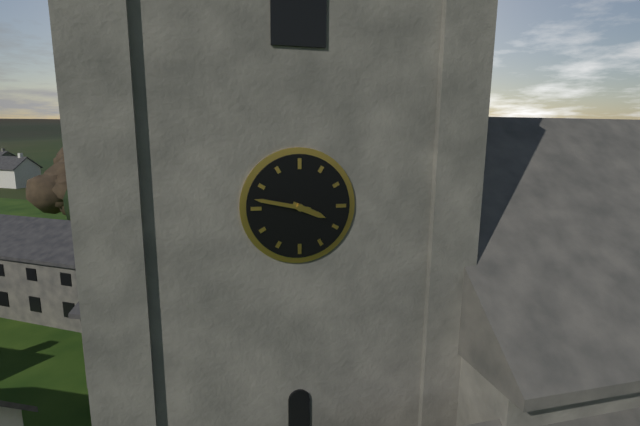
3:47
